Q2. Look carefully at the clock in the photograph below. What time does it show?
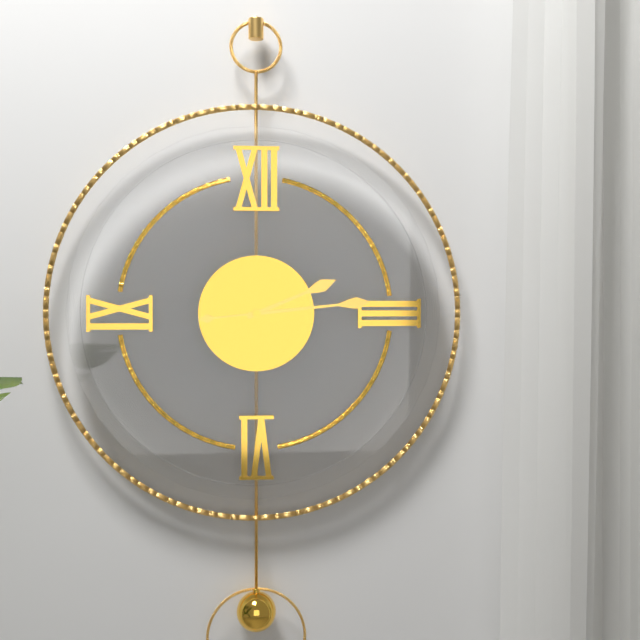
2:14
